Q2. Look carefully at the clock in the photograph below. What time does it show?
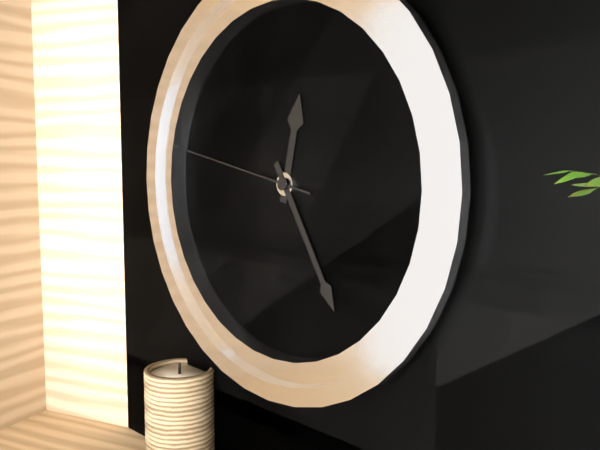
12:25:47
